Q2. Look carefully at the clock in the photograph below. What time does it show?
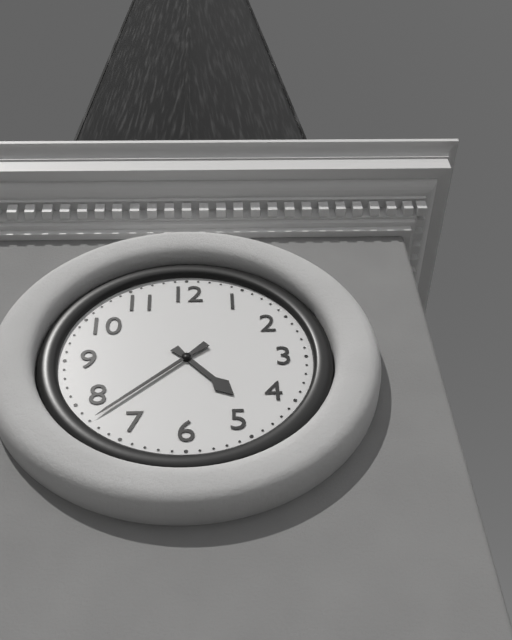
4:38
